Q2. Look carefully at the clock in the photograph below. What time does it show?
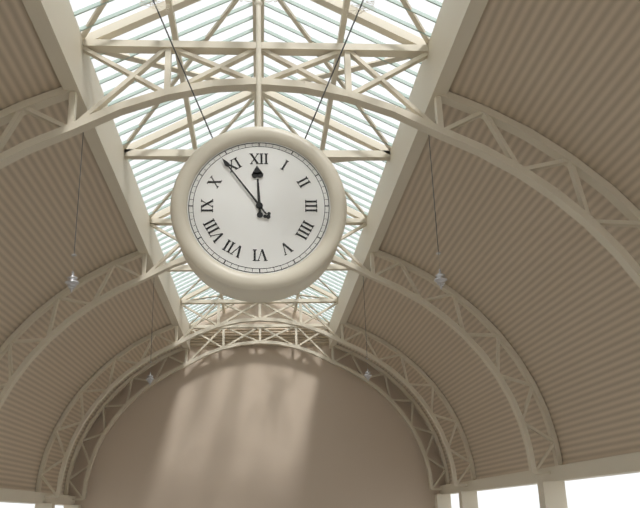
11:54
